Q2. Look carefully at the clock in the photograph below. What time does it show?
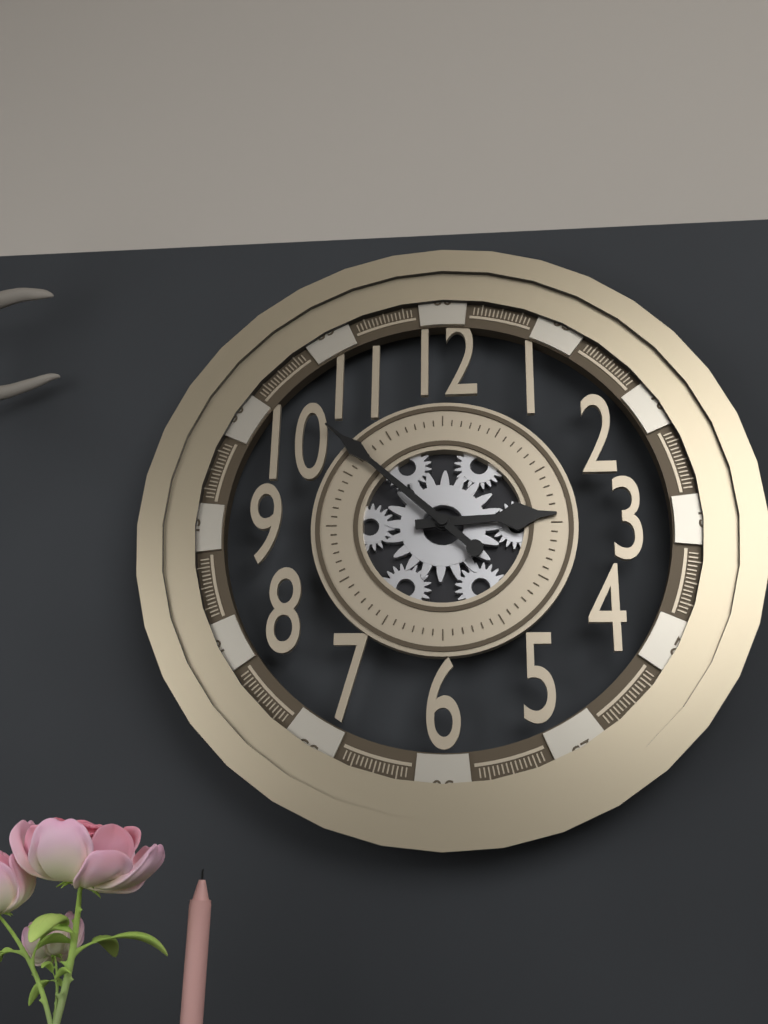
2:52
